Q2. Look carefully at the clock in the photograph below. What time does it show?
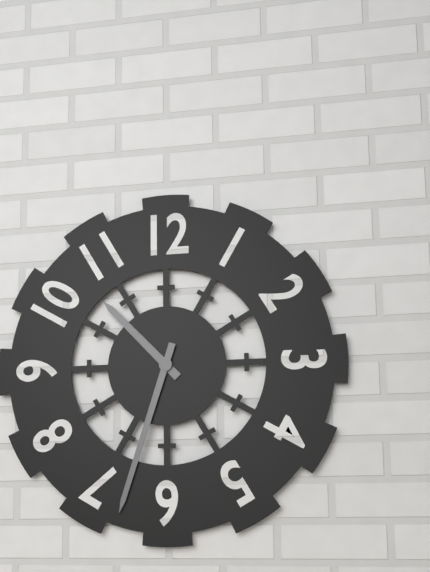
10:33
